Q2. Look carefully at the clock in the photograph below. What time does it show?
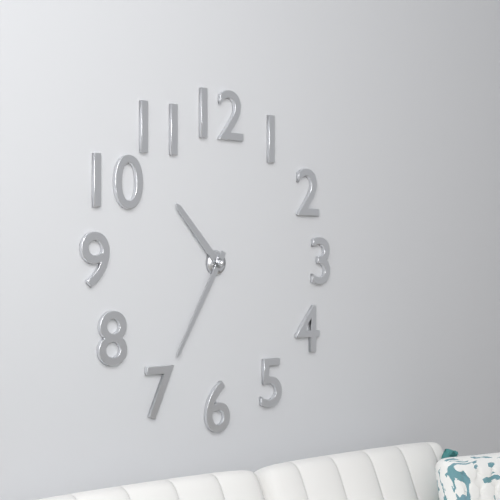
10:35
